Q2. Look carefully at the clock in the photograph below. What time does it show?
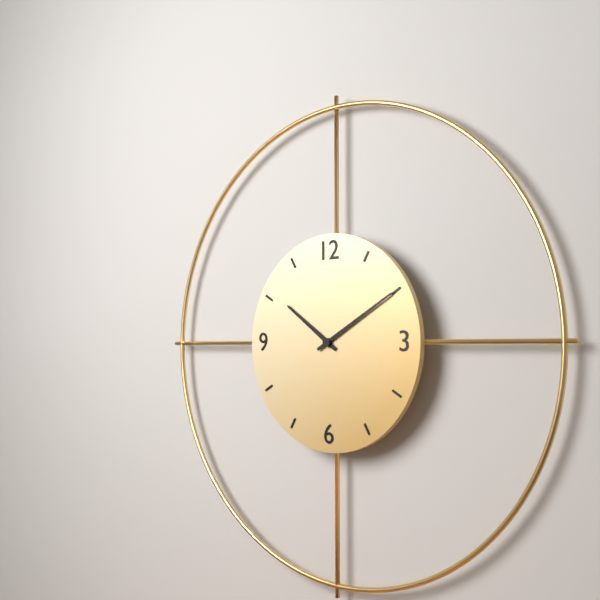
10:10
